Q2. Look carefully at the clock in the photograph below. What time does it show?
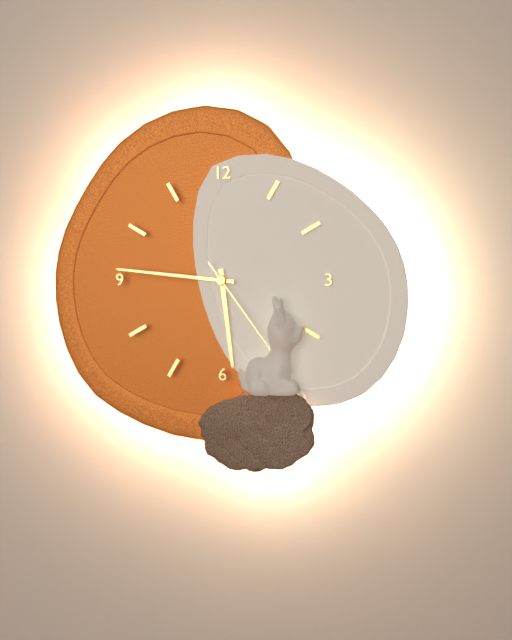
5:46:24
